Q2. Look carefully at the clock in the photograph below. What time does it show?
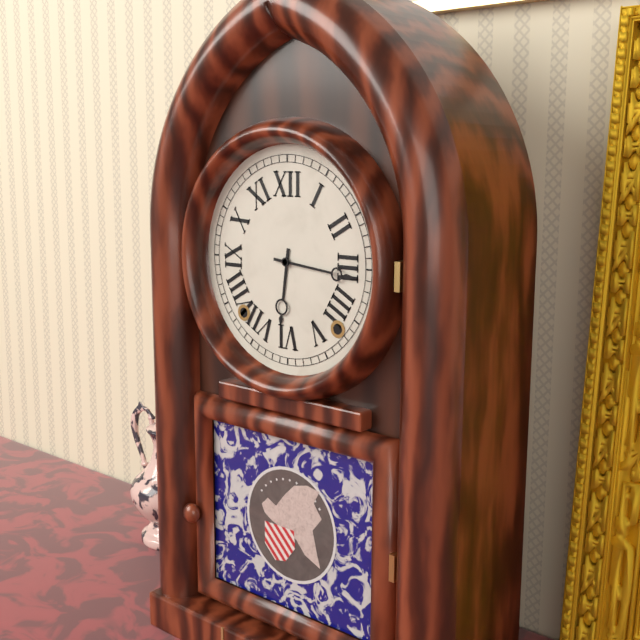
6:16
